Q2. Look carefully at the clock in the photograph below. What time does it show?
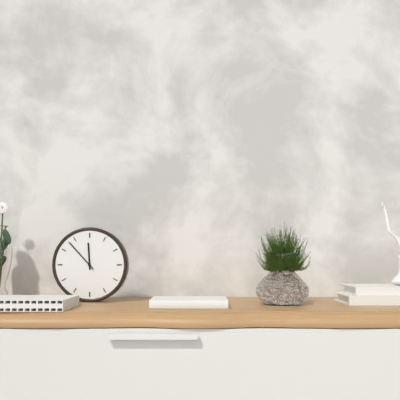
11:53
